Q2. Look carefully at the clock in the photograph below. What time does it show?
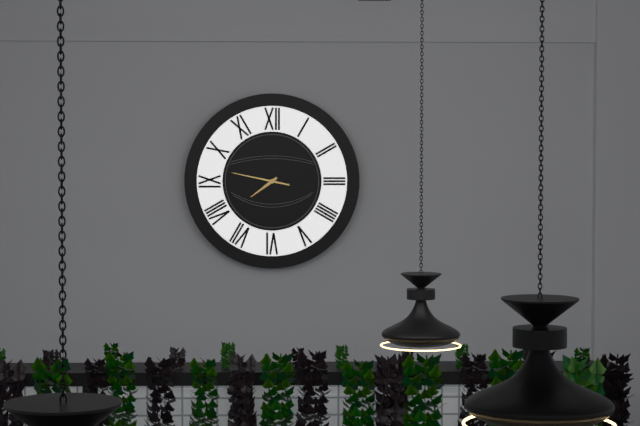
7:47
